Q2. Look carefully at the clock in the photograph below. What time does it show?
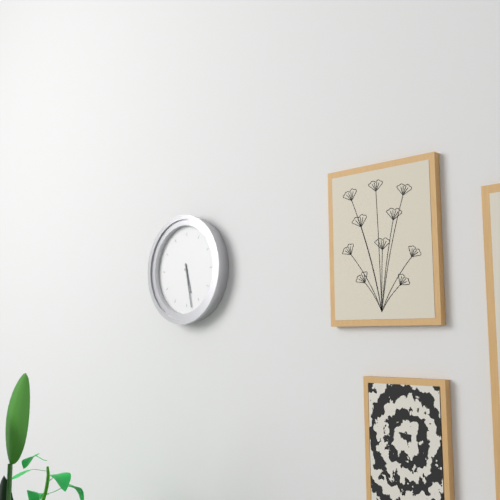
5:28
